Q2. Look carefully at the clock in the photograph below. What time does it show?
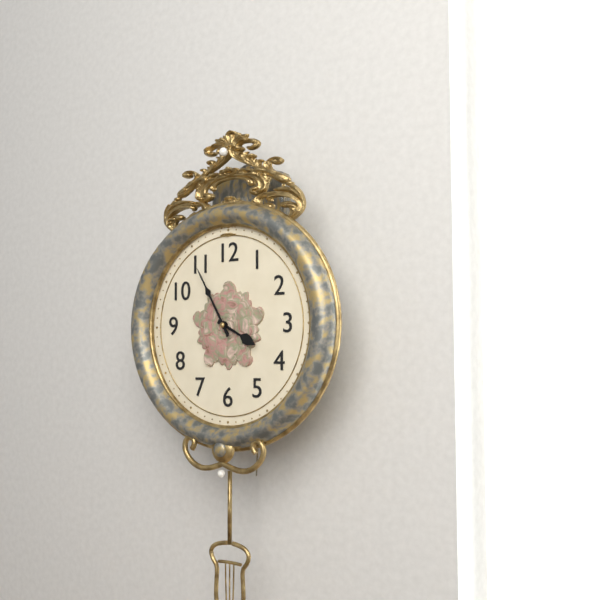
3:55
